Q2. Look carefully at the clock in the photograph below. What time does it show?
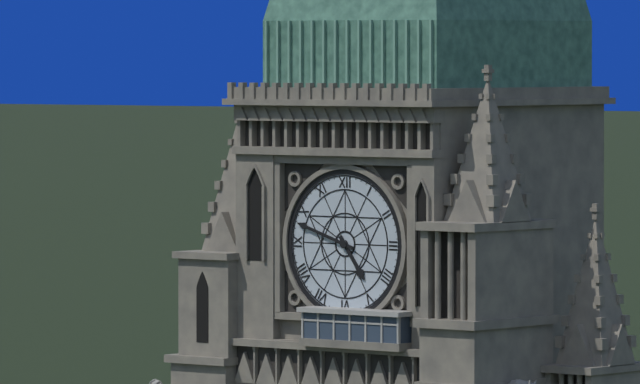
4:48
